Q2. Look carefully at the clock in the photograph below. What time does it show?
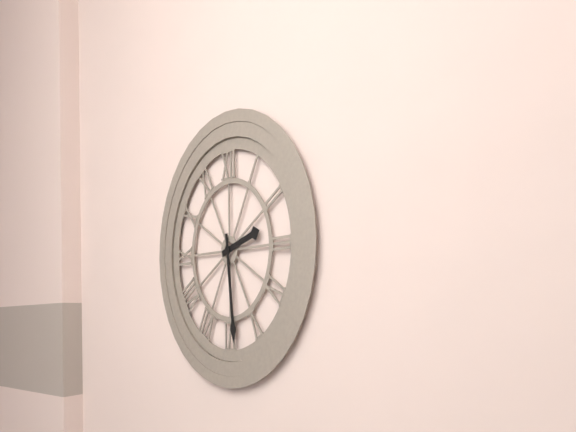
2:29
